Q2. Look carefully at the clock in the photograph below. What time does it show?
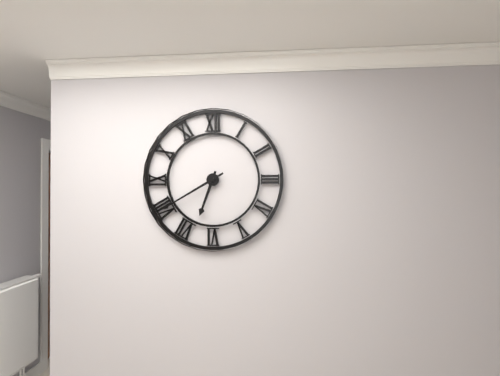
6:40
